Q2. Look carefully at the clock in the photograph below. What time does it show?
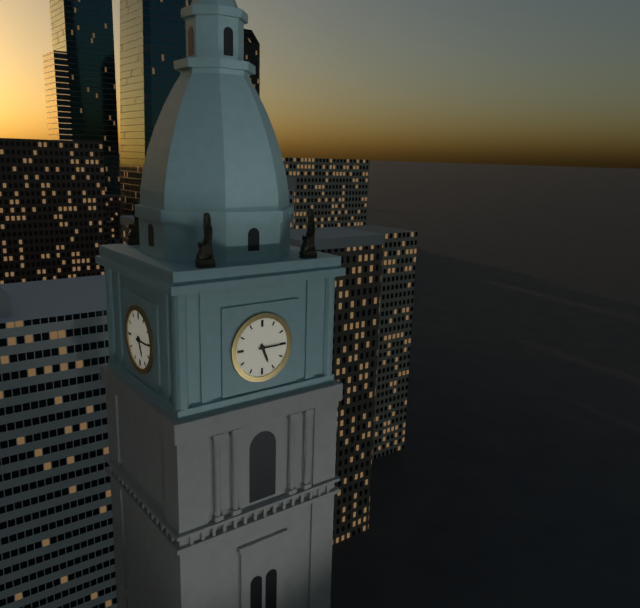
5:15
